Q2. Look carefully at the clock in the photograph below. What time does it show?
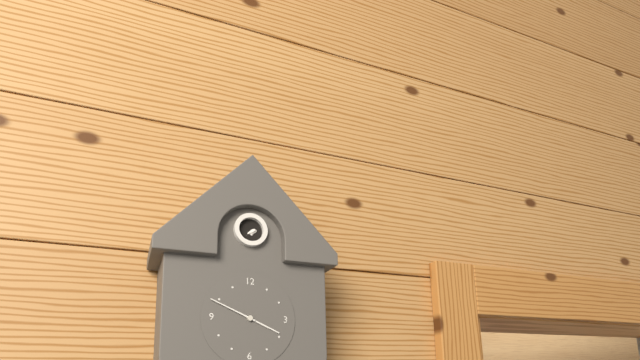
3:49
